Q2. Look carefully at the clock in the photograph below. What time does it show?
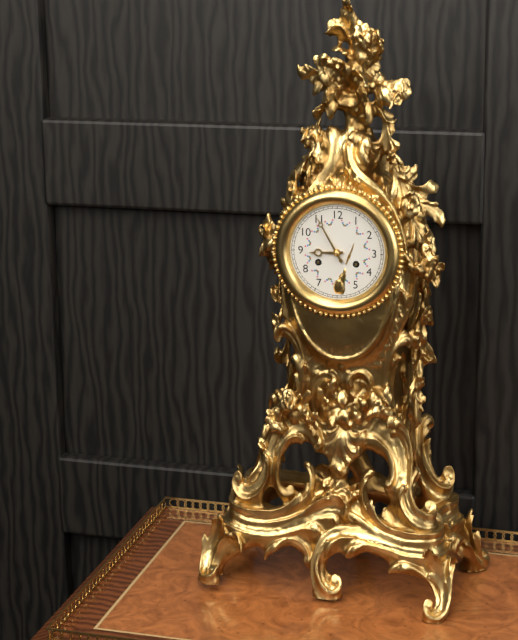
8:55
